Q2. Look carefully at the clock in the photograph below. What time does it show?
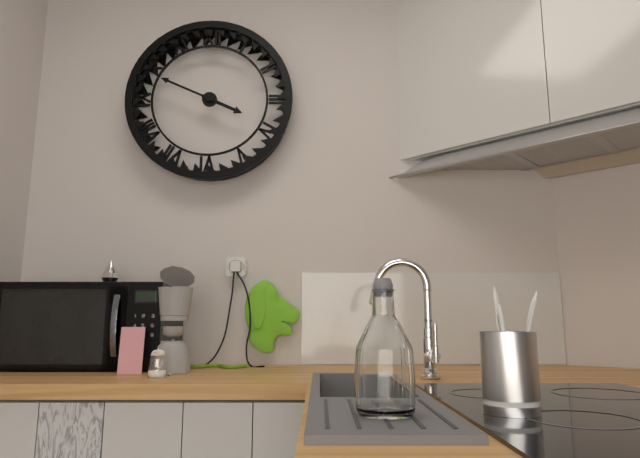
3:49
